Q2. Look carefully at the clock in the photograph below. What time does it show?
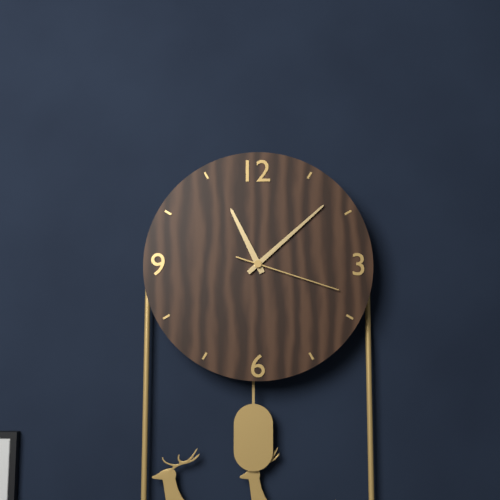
11:08:18
